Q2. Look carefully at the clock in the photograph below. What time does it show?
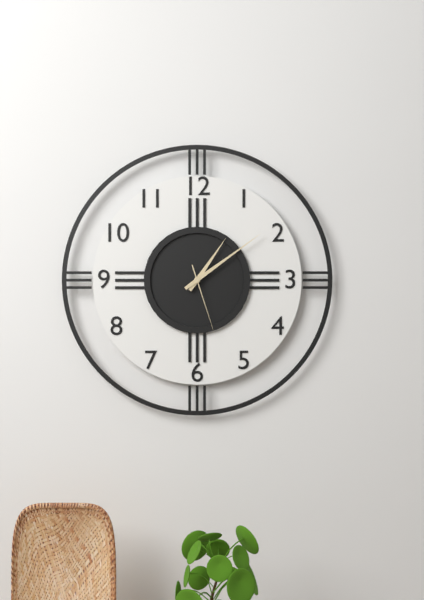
1:09:27
